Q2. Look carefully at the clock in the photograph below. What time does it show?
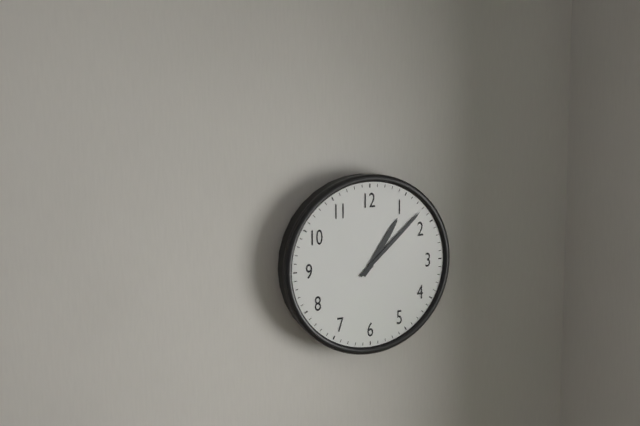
1:08
